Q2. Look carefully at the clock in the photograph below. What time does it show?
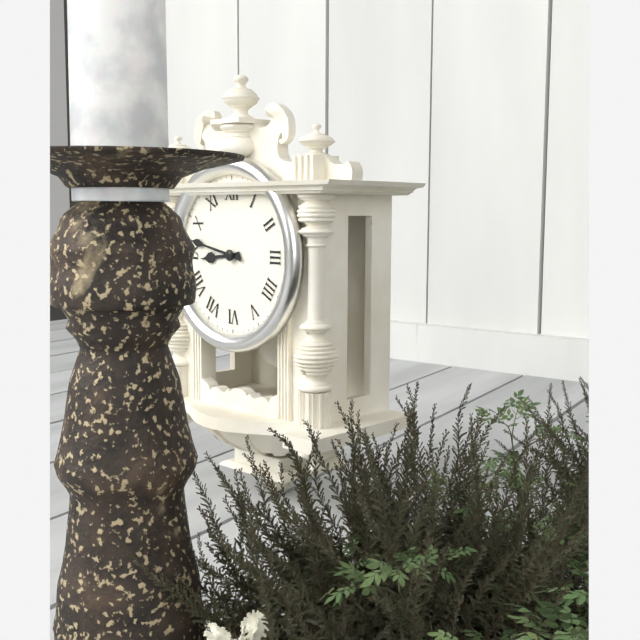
8:47
